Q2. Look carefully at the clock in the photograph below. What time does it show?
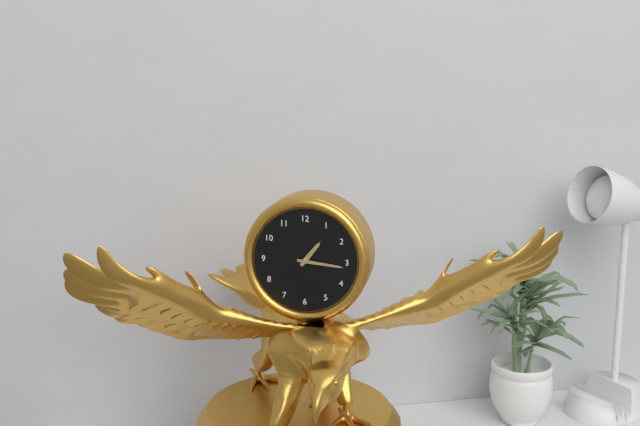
1:16
